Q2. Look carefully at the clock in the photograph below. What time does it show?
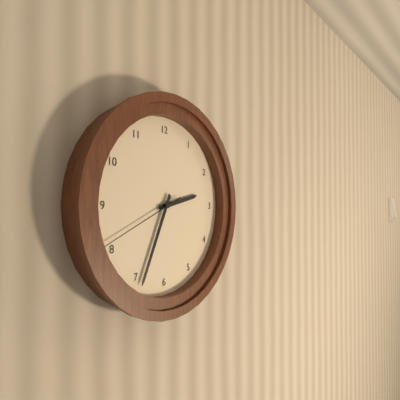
2:34:41
